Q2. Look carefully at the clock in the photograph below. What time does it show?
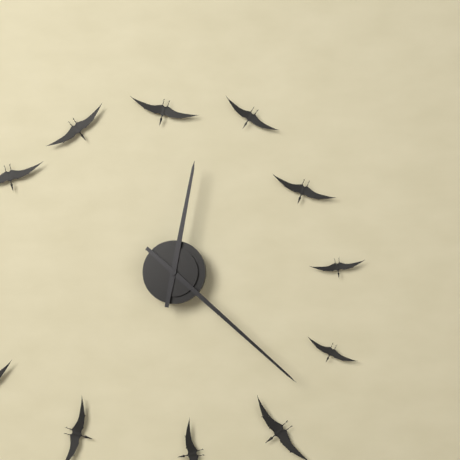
12:22
